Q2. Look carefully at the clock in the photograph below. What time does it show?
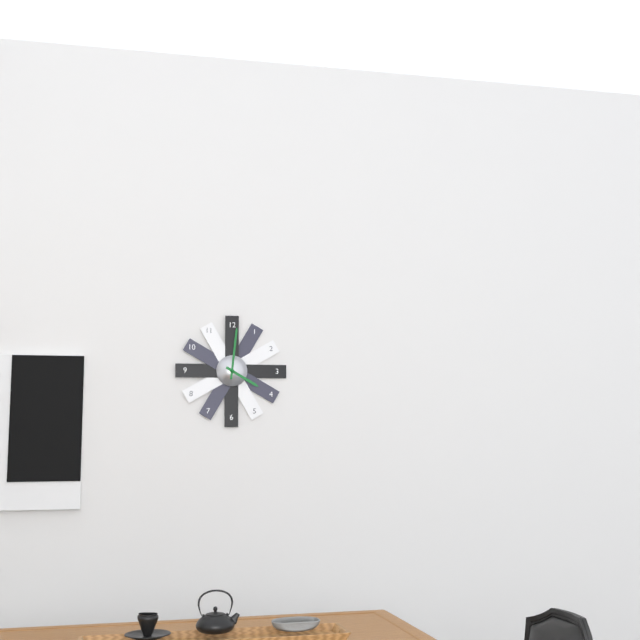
4:01
